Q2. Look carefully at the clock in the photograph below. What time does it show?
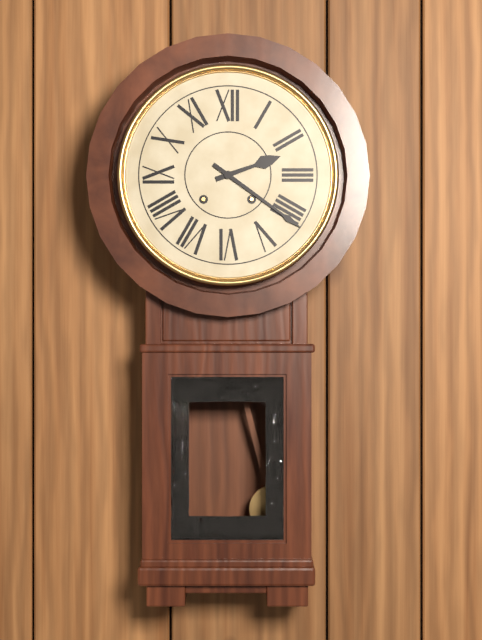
2:21
